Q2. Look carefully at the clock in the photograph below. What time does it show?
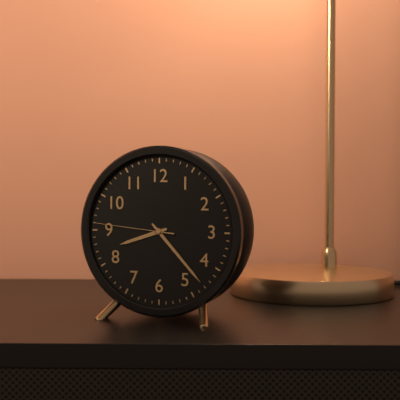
8:23:46
